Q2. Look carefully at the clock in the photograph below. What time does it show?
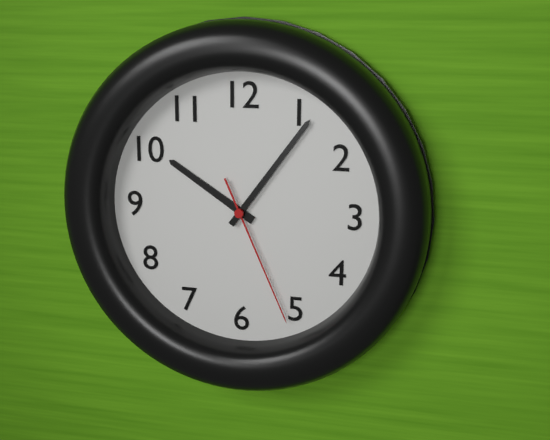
10:06:26
